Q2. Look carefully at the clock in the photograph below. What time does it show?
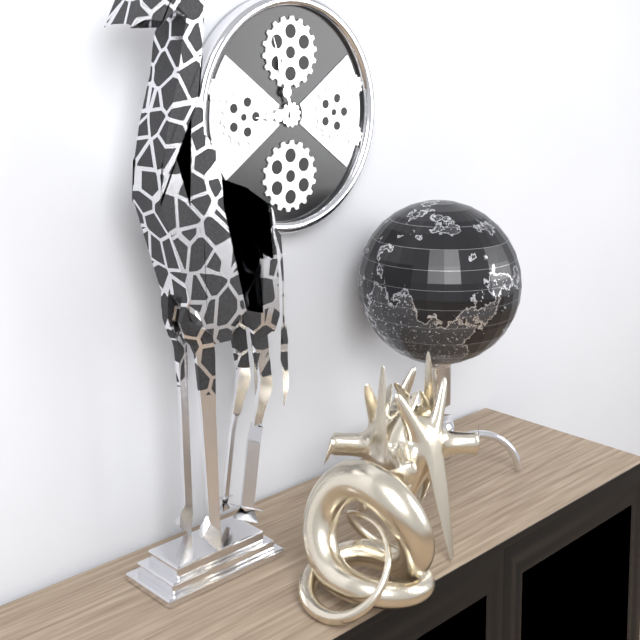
8:57
